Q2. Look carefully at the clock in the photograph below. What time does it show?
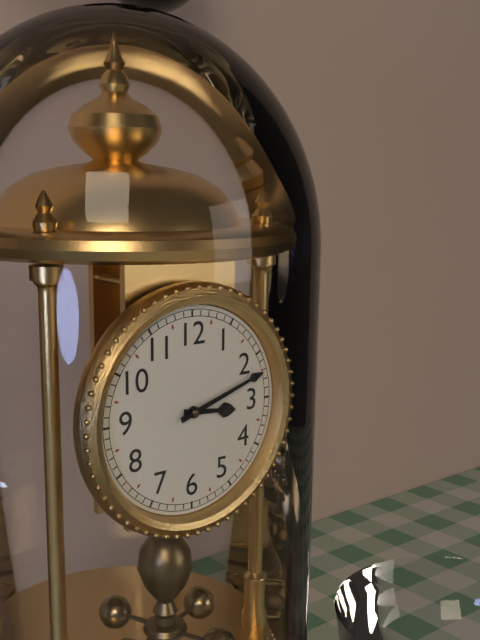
3:12
